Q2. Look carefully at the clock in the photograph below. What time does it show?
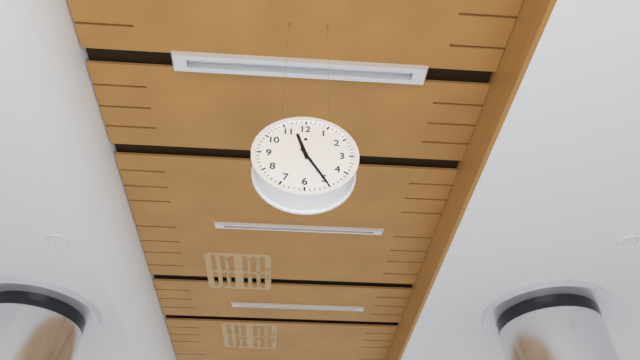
11:25
